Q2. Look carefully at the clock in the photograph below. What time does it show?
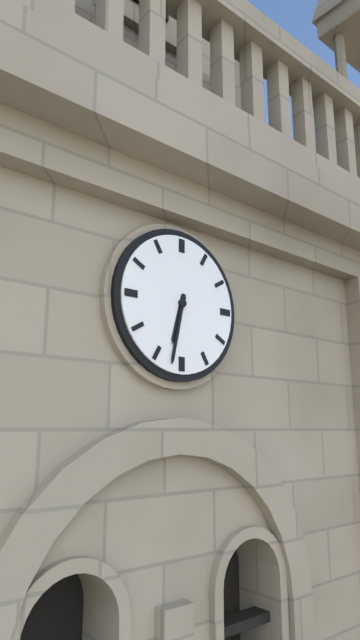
6:32
